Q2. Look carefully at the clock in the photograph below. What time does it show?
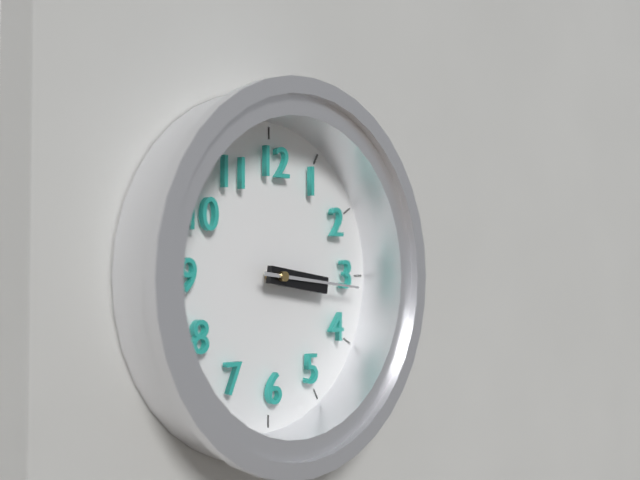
3:16
